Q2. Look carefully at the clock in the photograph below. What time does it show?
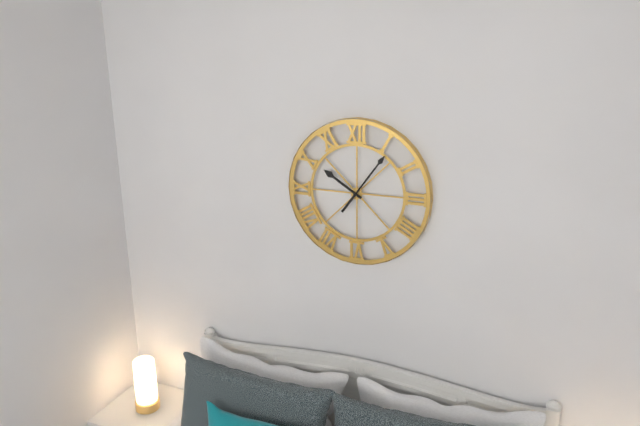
10:06
